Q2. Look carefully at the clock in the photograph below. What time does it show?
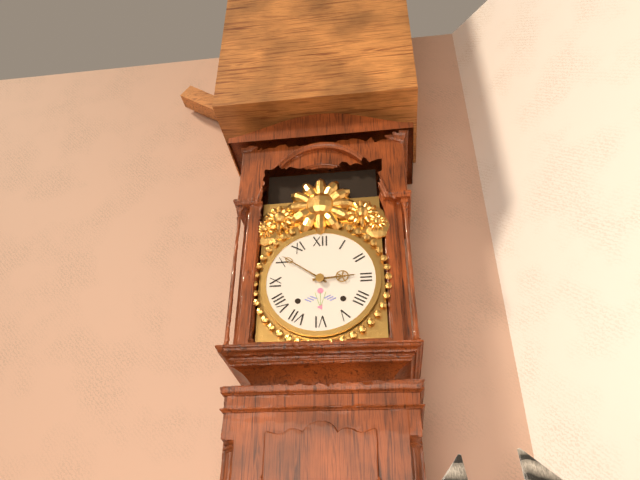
2:51
